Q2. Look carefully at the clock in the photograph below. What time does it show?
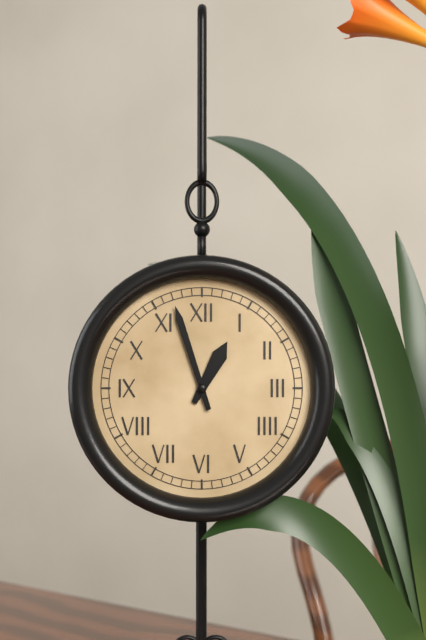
12:57
